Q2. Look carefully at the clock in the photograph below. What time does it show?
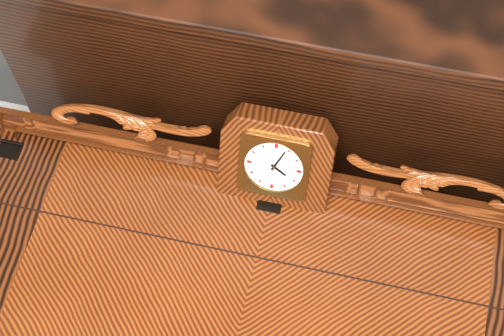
4:04
